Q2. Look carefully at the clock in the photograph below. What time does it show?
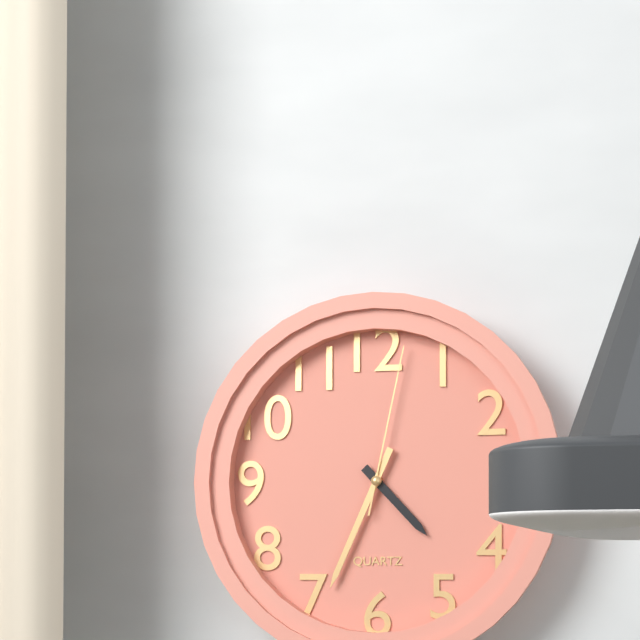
4:34:02
